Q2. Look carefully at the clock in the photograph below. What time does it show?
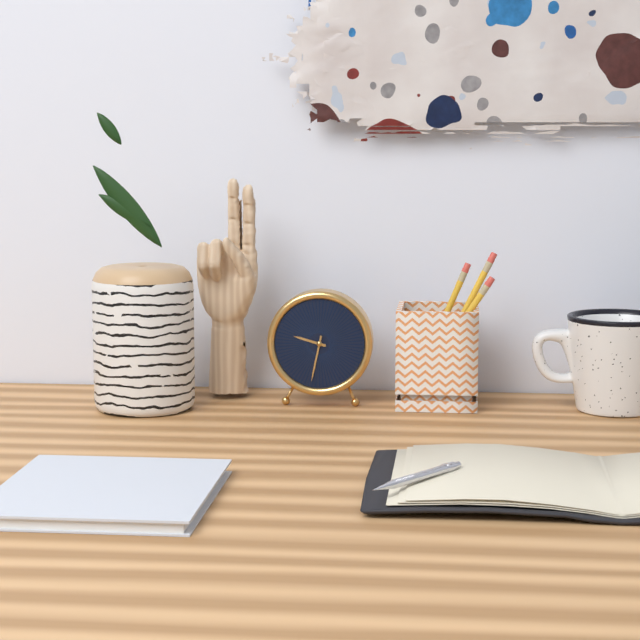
9:32
